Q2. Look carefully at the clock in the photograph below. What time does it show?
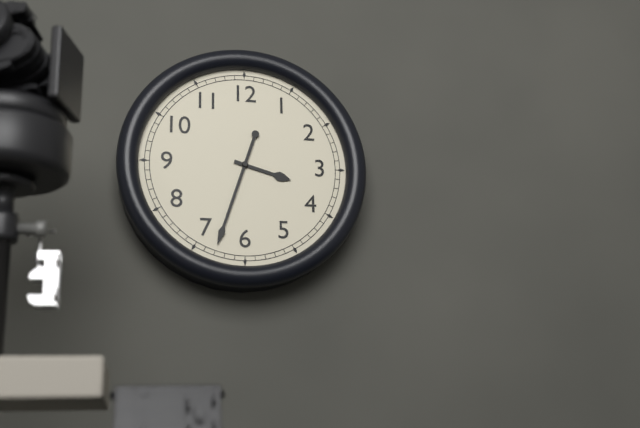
3:33
